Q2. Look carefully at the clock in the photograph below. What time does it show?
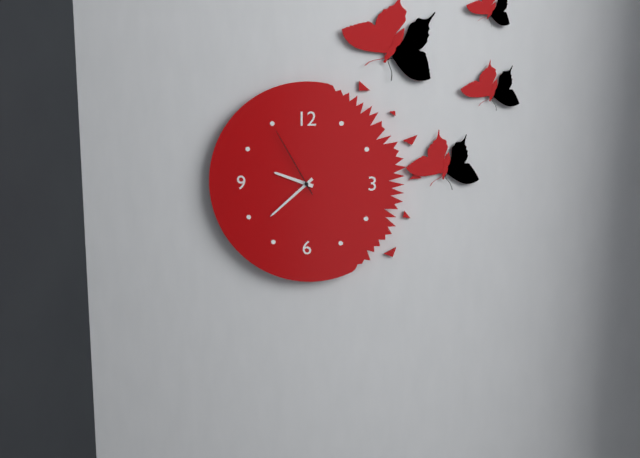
9:38:55
